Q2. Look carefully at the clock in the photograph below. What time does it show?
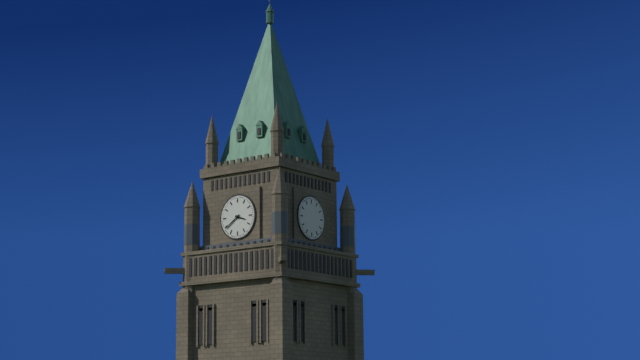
3:39
